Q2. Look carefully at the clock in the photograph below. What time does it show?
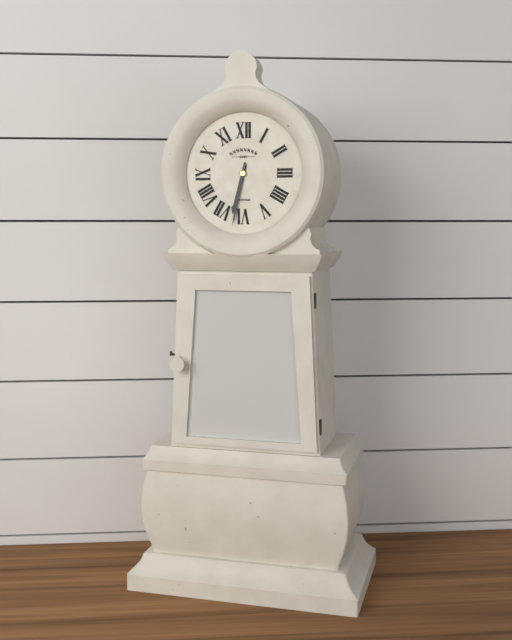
6:32
